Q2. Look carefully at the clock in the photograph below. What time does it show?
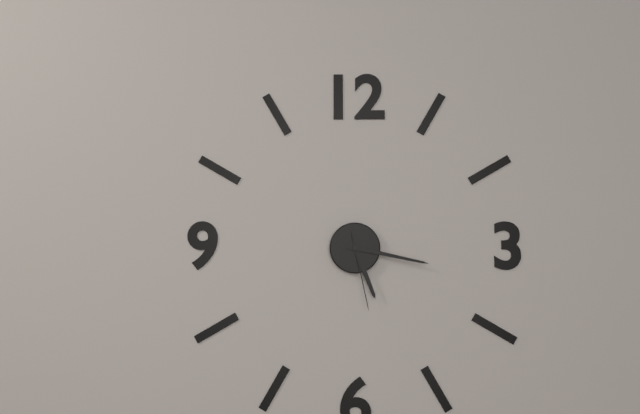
5:17:28
